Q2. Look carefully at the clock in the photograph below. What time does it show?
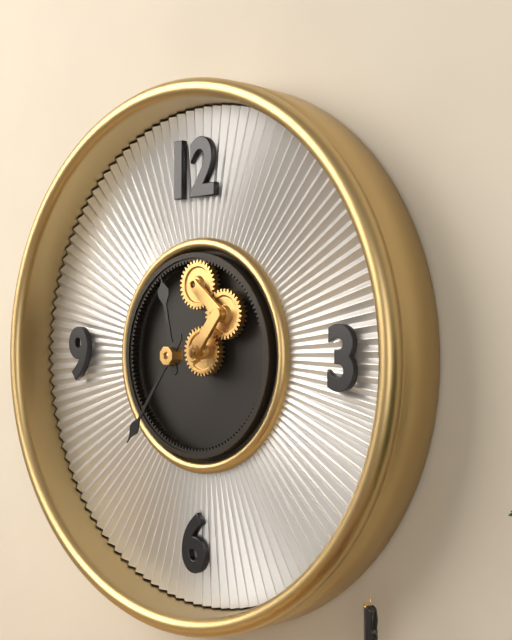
11:36
